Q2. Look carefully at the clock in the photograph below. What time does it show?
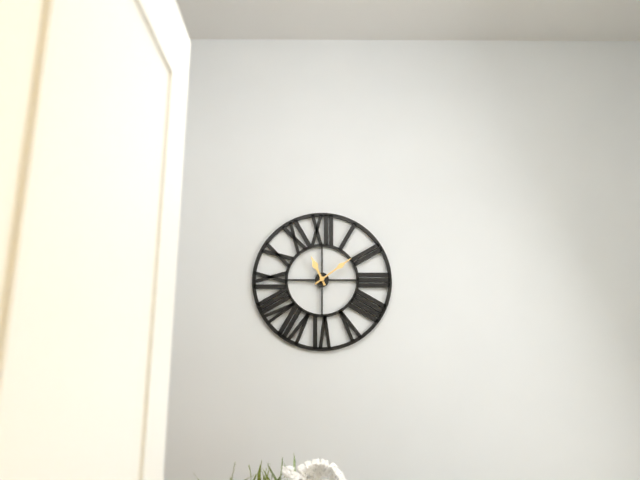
11:09
